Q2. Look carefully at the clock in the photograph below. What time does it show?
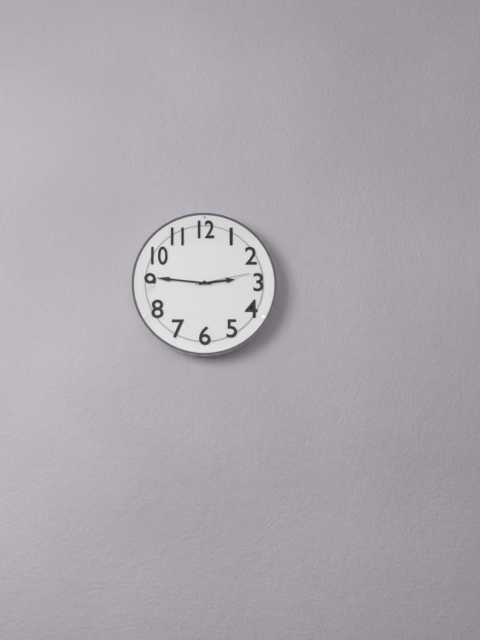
2:46:13
